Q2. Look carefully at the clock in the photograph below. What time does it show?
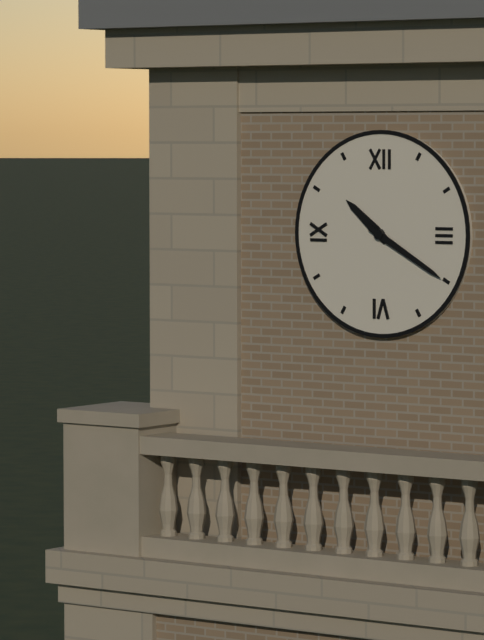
10:20
